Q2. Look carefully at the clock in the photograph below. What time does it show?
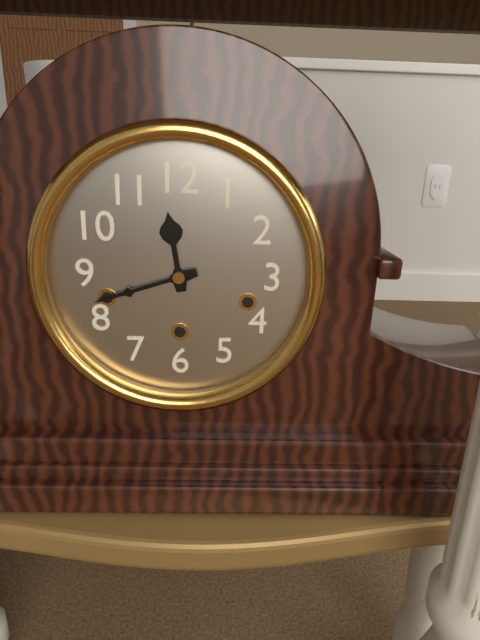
11:42
